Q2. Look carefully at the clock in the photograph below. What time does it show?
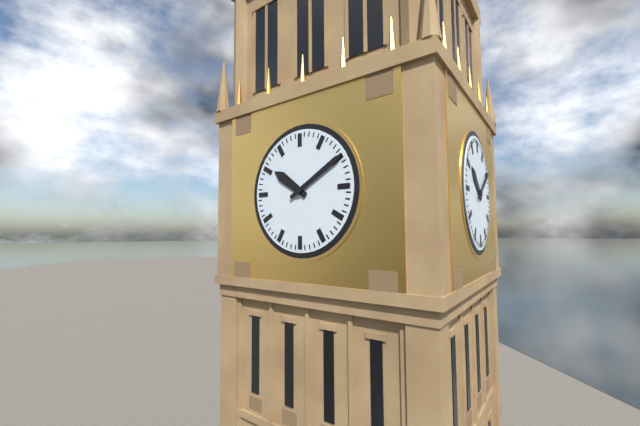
10:10
